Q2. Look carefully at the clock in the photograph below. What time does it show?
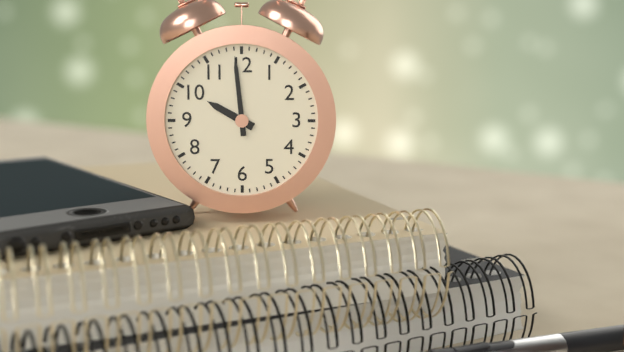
9:59
